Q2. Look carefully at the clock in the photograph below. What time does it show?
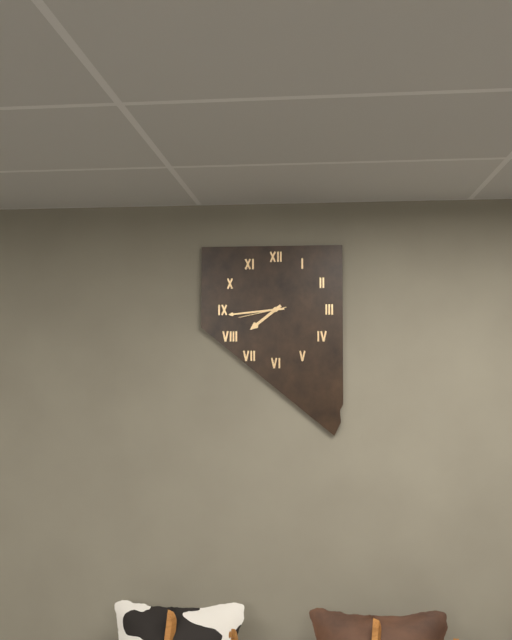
7:44
